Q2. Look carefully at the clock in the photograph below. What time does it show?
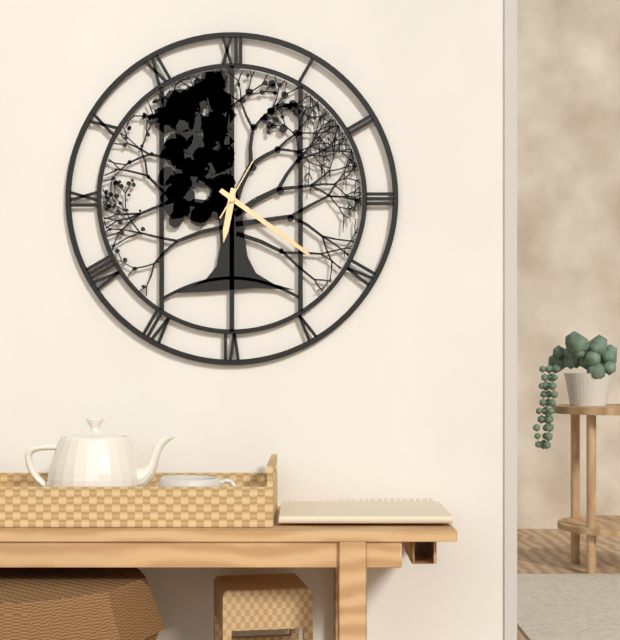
6:21:05
